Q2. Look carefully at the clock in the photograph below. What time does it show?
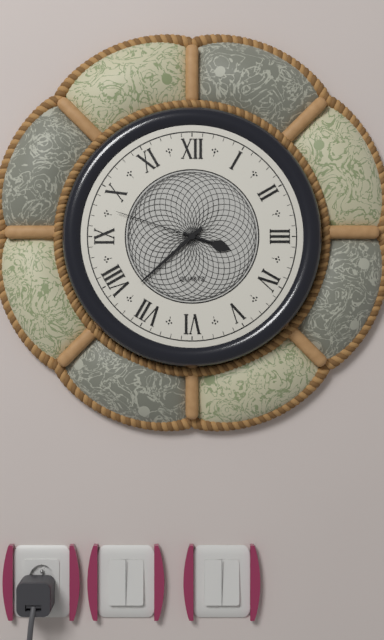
3:38:48
